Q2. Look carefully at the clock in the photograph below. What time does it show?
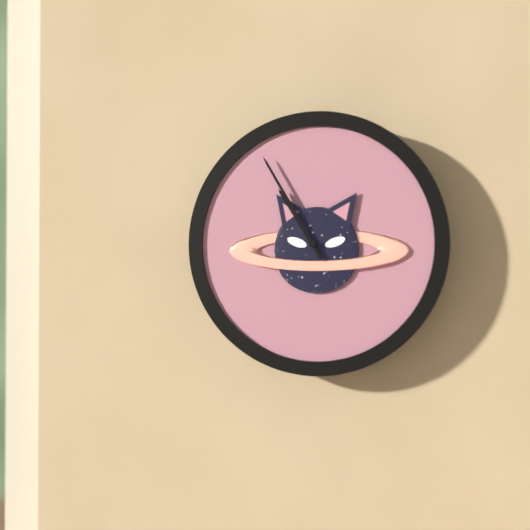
10:55
